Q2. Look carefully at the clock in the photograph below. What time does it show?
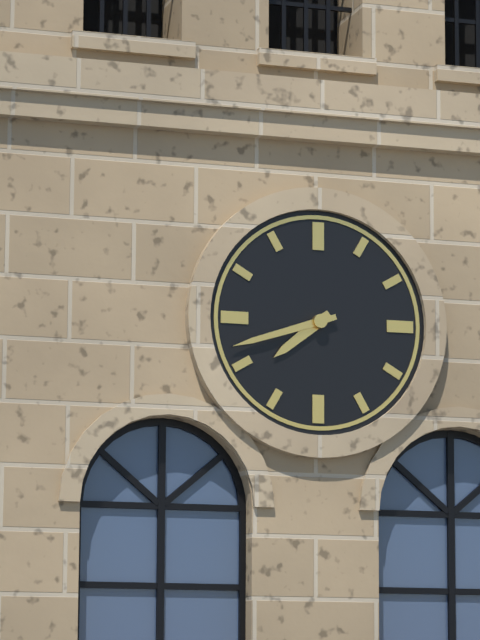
7:42
